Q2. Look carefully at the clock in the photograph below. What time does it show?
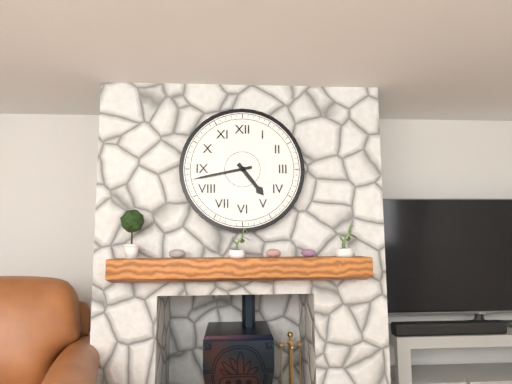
4:43
